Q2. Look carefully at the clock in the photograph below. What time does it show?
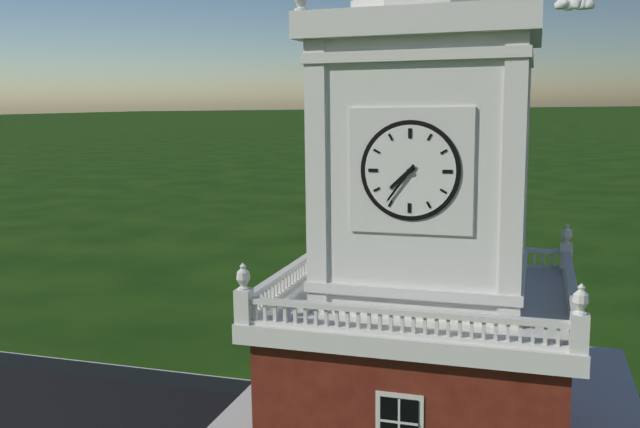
7:36
